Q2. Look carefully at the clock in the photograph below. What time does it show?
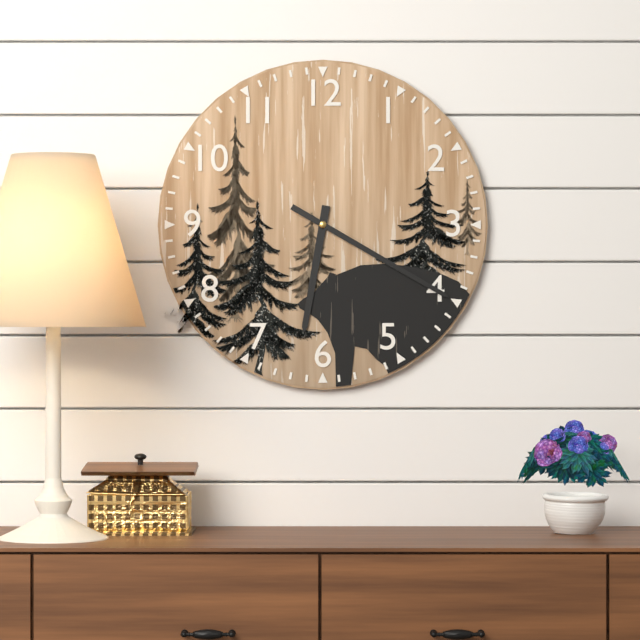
6:20
